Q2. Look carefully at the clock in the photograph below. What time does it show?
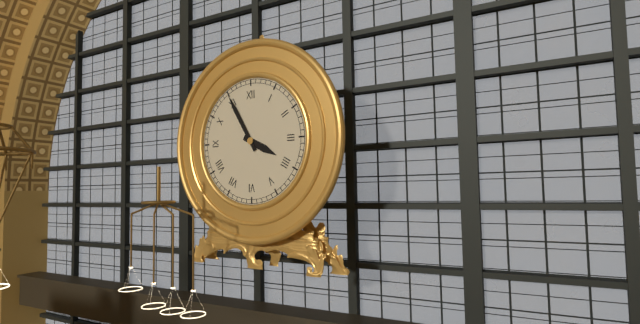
3:55
